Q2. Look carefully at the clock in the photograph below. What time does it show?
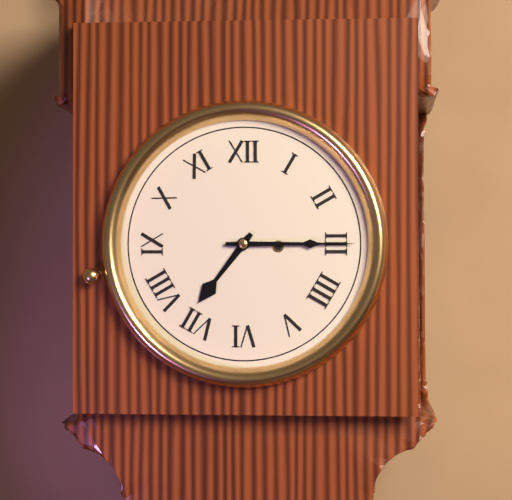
7:15
